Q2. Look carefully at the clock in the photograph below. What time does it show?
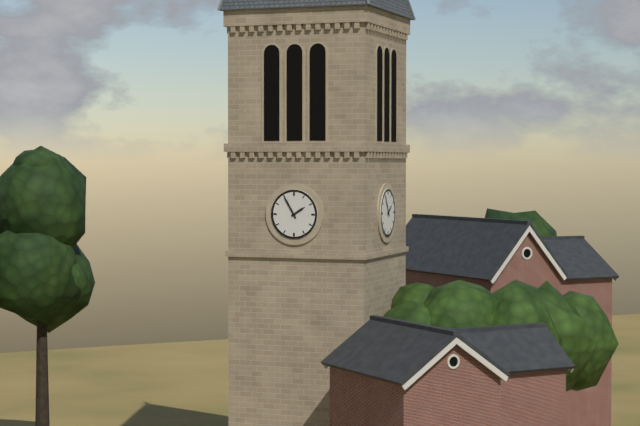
1:55
